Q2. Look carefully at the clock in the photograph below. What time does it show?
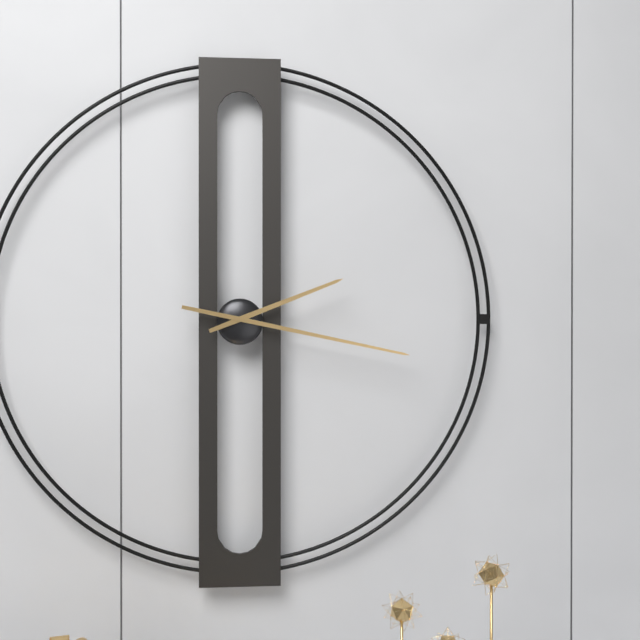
2:17
